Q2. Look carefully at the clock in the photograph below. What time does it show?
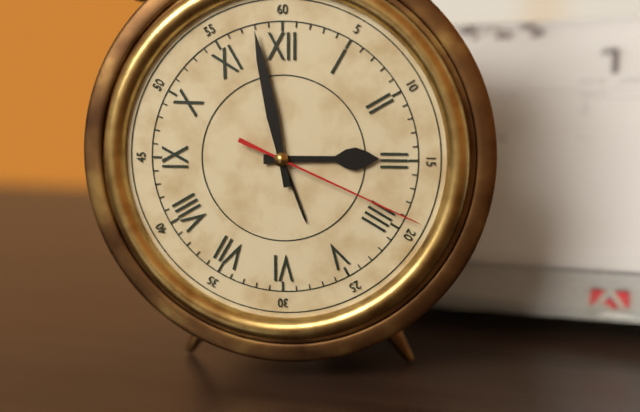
2:58:19
